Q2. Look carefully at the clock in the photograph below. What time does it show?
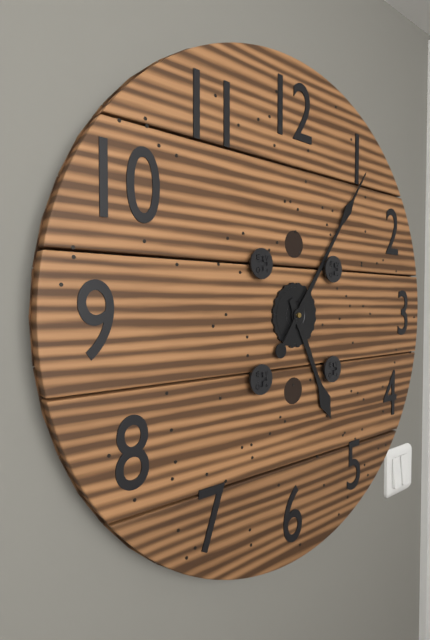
5:06
